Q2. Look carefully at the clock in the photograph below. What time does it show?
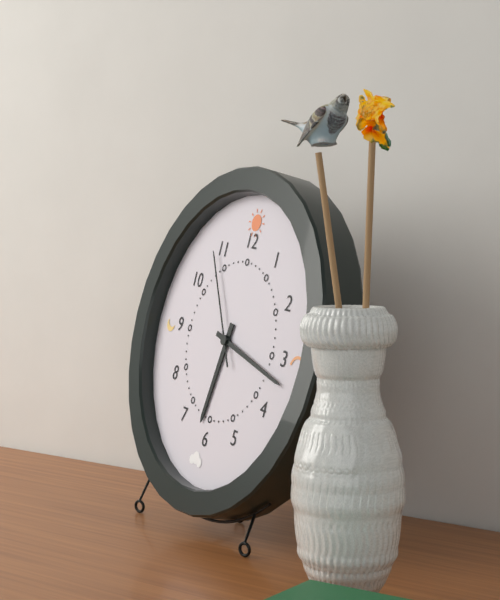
6:17:54
